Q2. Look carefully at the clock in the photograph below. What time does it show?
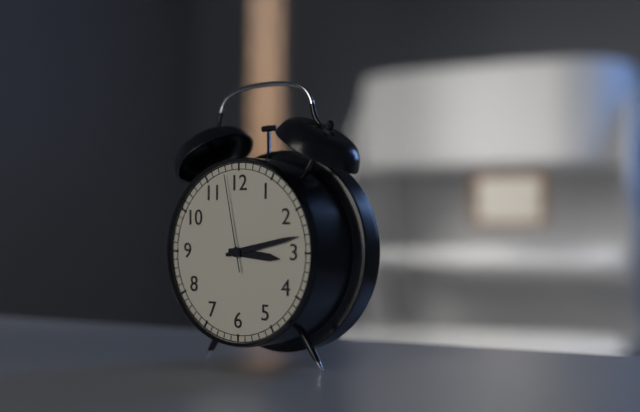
3:13:58
